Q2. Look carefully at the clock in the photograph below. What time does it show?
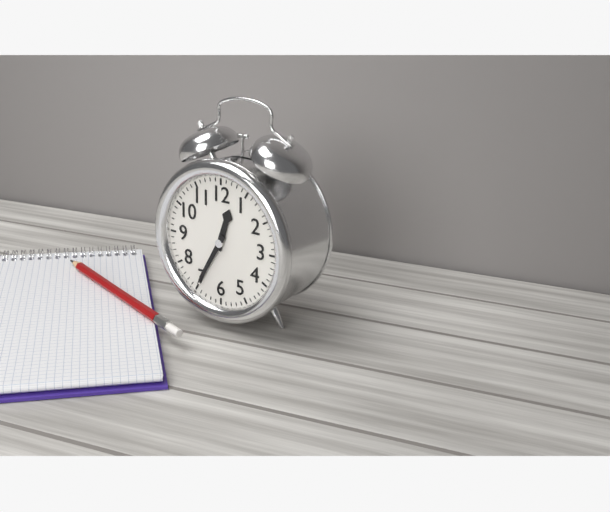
12:35
